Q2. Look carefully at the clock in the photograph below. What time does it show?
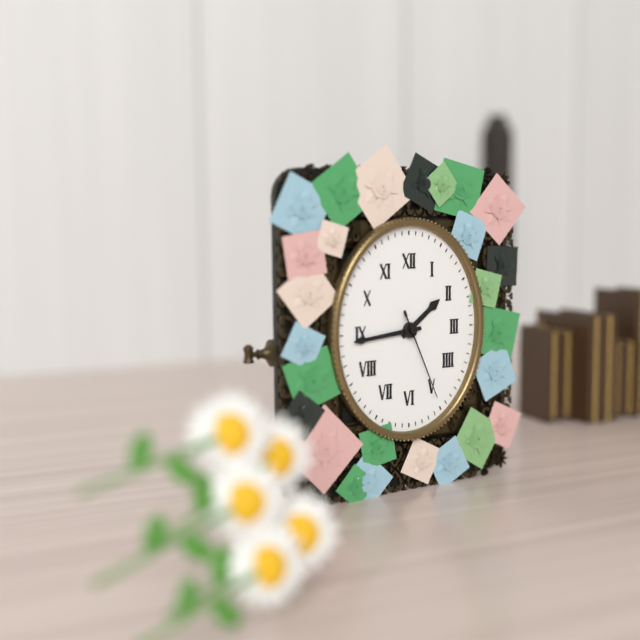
1:44:26
